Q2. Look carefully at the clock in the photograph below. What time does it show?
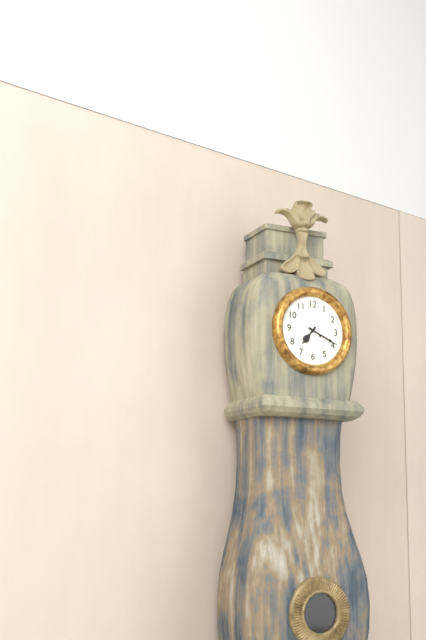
7:19
